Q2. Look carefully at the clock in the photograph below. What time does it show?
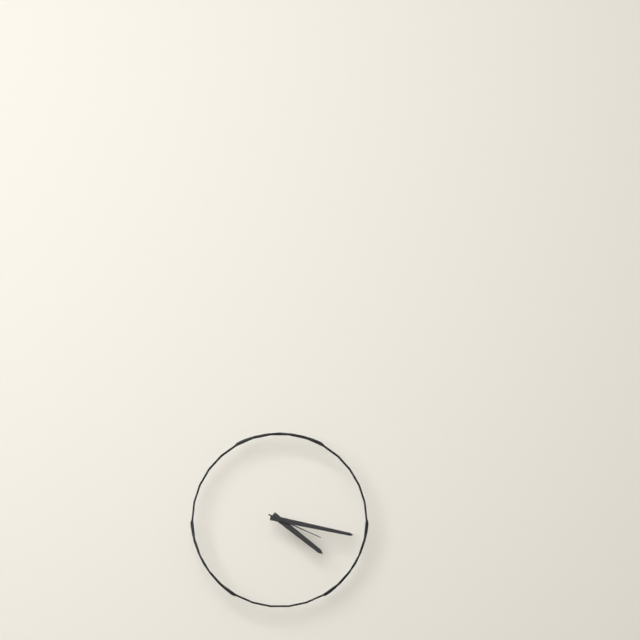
4:17:19
